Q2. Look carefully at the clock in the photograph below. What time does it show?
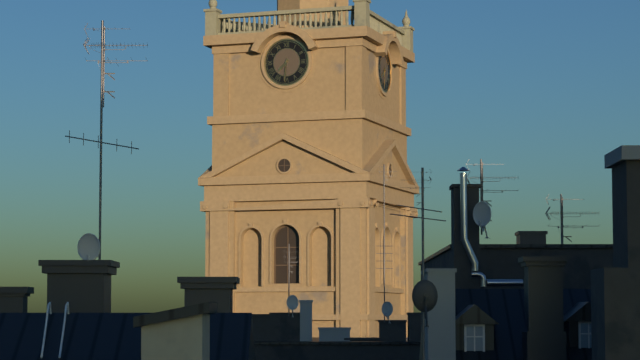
7:31
